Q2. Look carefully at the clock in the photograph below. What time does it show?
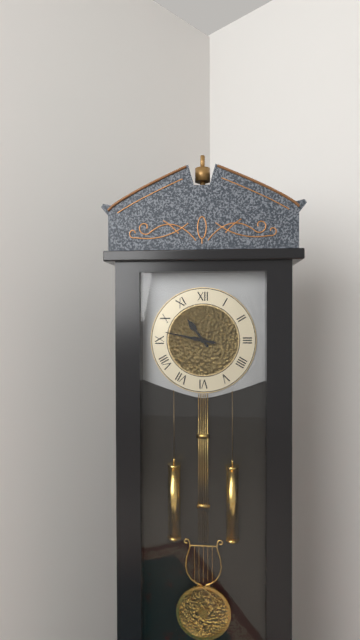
10:47
